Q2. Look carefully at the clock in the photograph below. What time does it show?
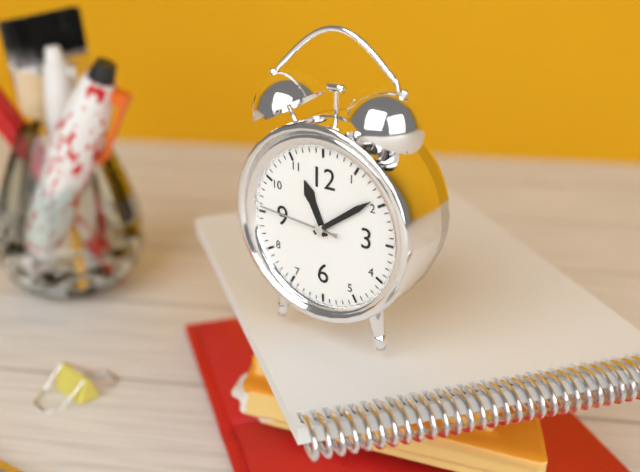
11:09:46
